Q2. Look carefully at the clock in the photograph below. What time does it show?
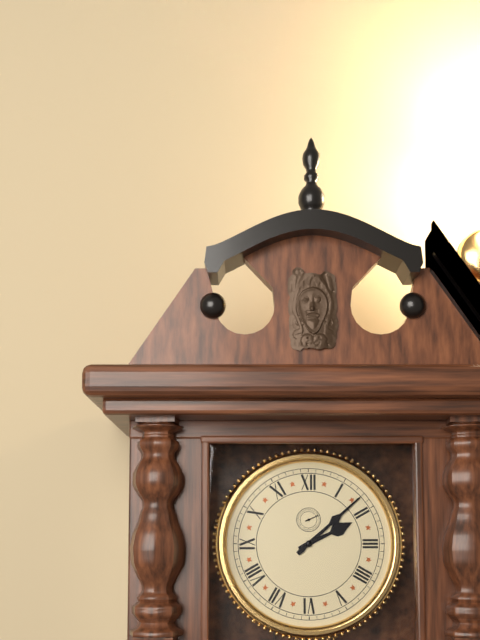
2:08
